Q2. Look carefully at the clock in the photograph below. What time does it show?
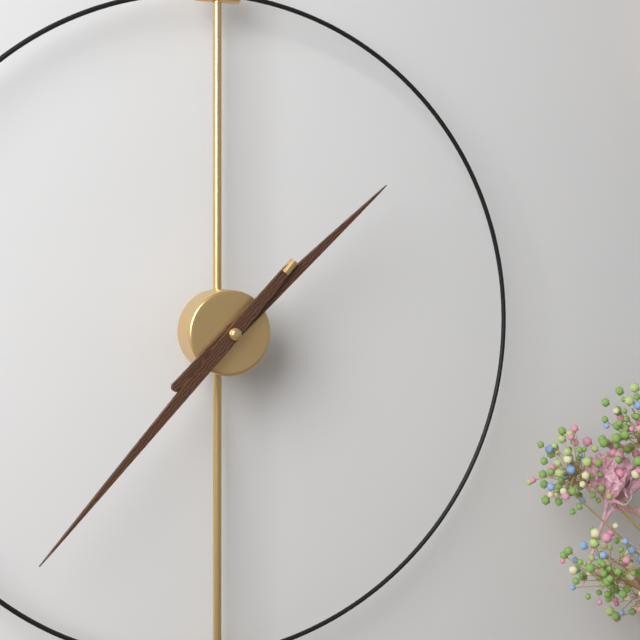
1:37
